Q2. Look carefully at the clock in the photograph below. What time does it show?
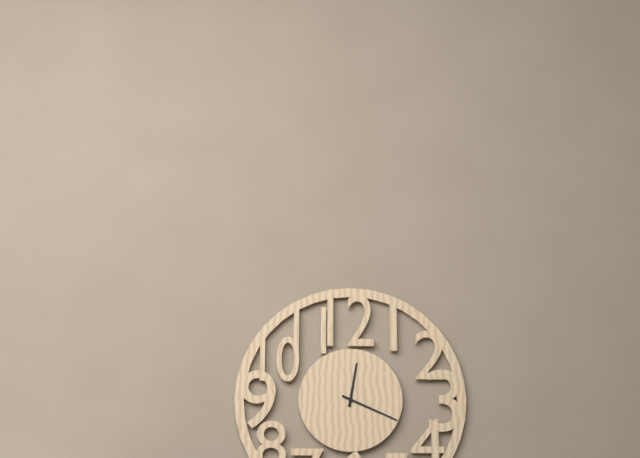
12:19
